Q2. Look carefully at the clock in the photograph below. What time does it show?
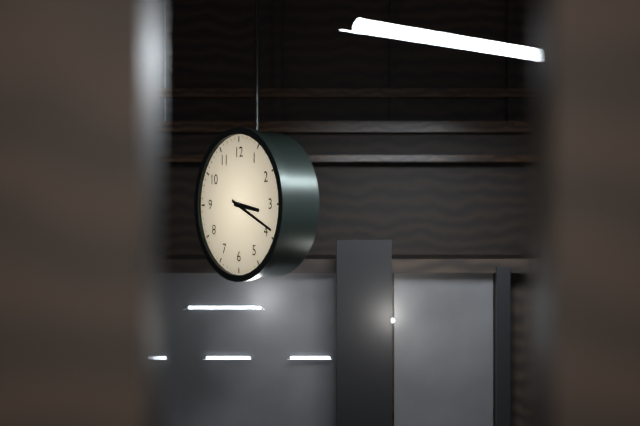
3:19
